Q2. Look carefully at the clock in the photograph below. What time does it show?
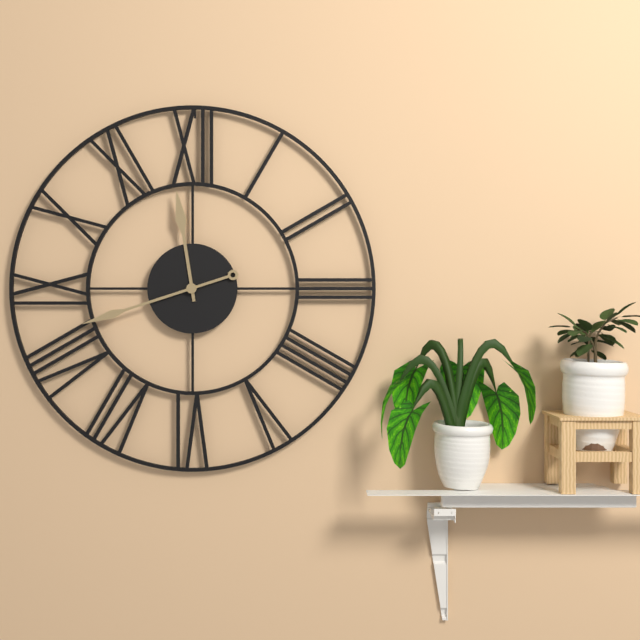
11:42
